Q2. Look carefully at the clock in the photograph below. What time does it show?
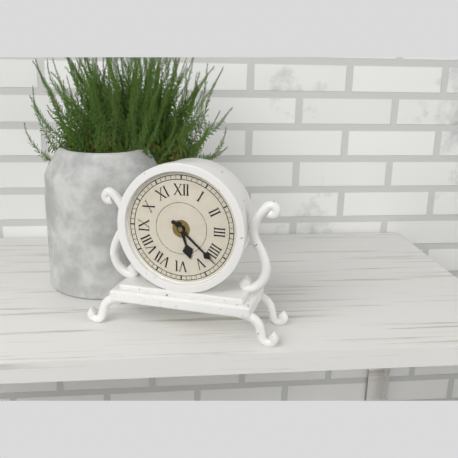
5:22
